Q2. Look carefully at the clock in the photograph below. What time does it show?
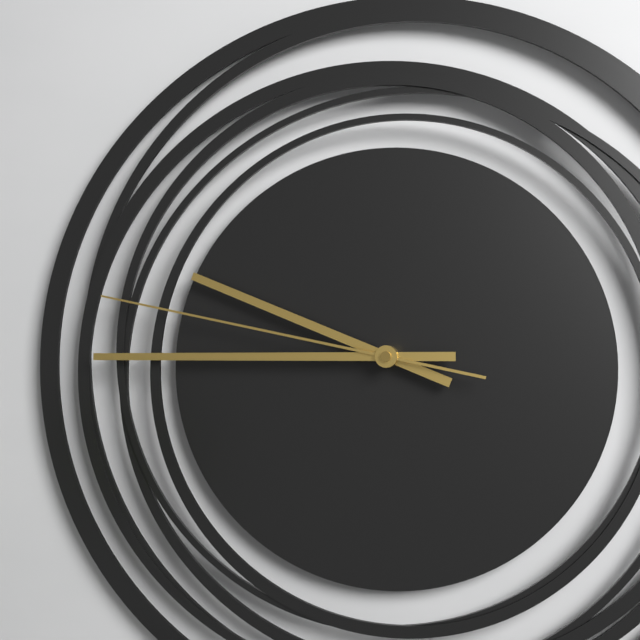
9:45:47
